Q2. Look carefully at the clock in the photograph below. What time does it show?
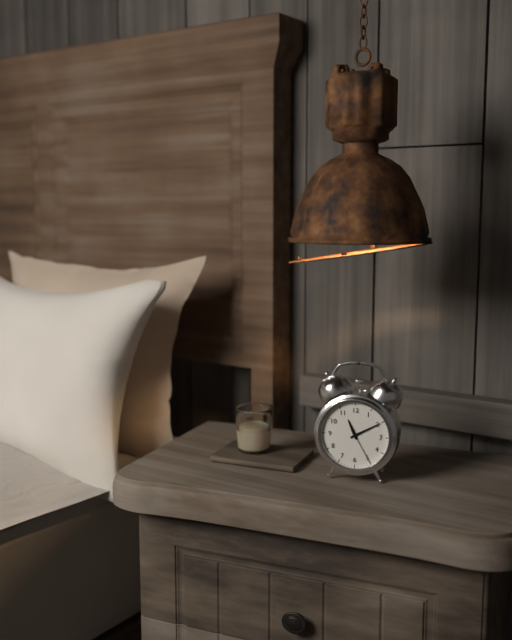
11:10
